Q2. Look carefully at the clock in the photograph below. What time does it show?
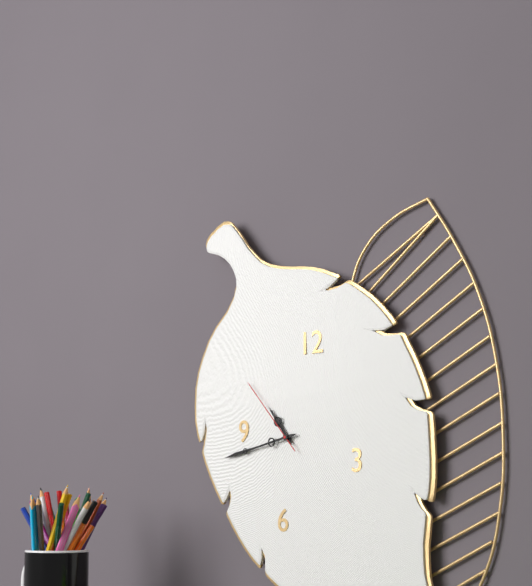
10:43:53
